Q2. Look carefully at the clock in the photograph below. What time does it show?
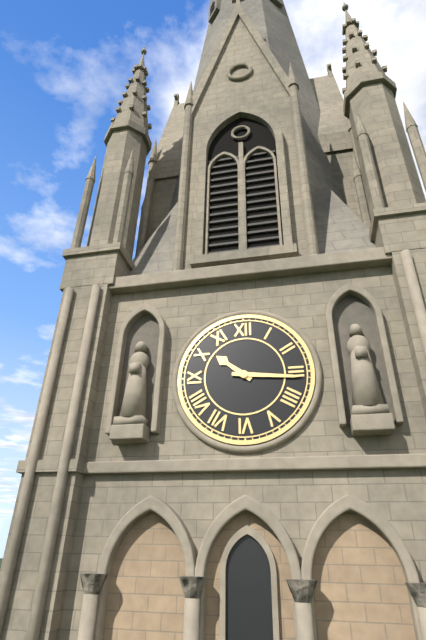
10:16
